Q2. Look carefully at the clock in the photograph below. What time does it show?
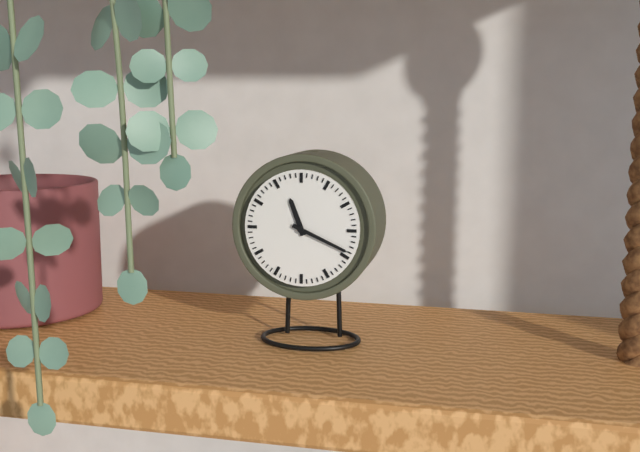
11:19
